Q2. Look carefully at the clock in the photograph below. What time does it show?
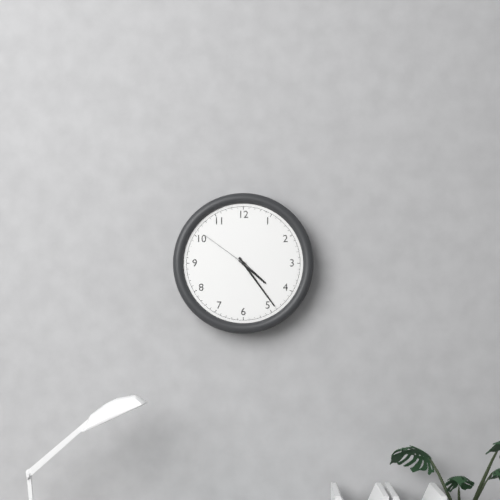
4:24:51
